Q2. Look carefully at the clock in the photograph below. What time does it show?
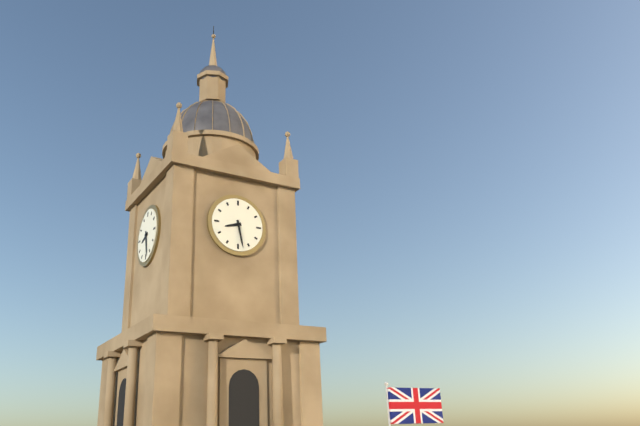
8:28
